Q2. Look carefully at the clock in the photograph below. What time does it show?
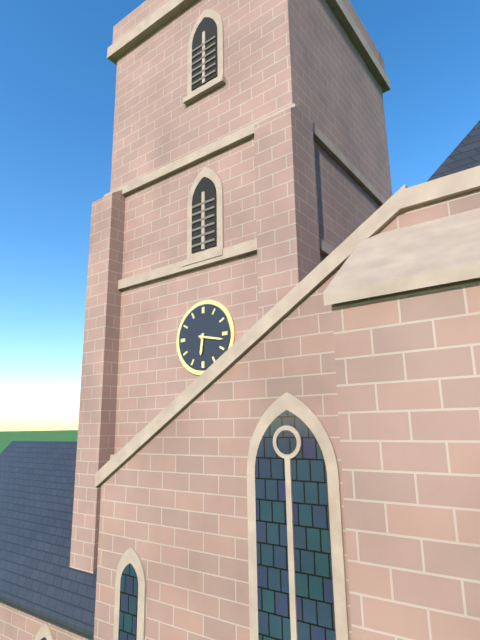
6:17
